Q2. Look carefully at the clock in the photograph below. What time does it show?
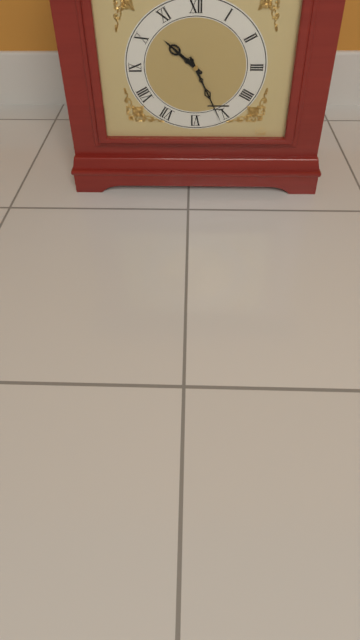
10:26
